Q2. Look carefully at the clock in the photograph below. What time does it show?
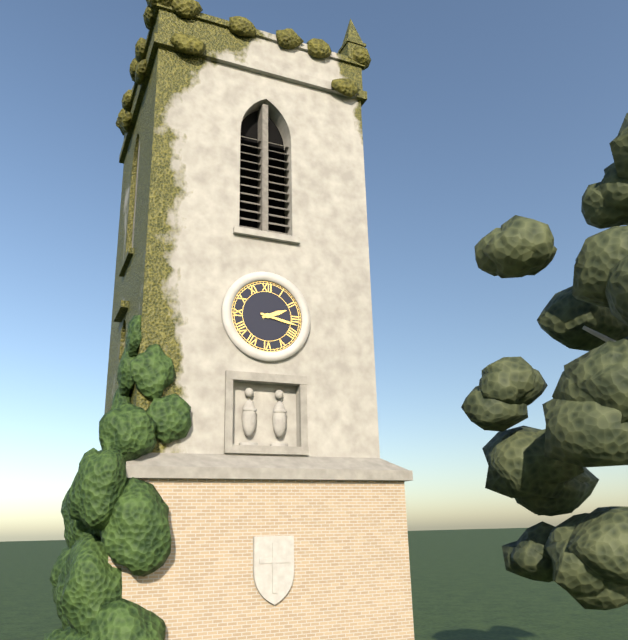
2:17
